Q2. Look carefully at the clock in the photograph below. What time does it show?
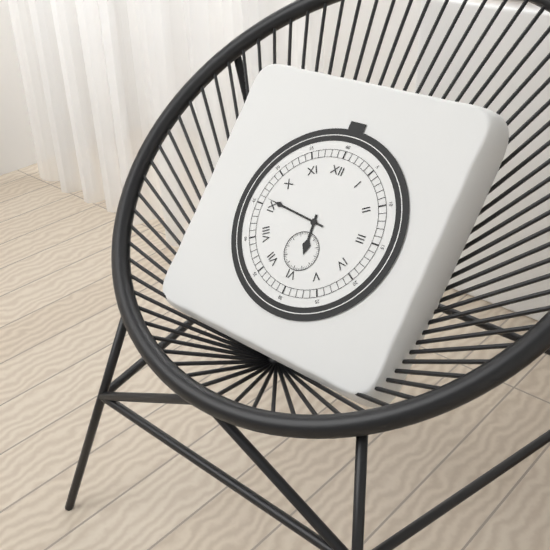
5:46
